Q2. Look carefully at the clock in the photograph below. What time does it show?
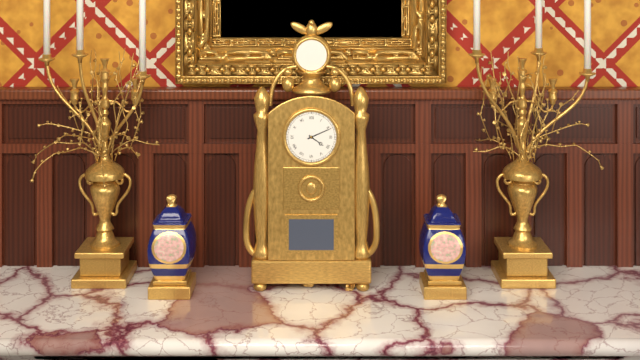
4:11
